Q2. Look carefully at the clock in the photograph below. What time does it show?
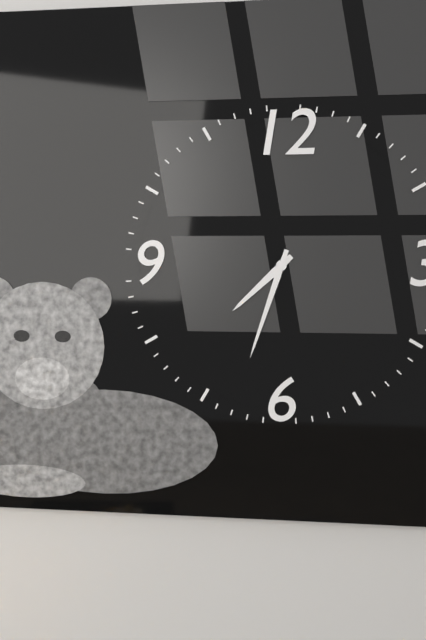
7:33
